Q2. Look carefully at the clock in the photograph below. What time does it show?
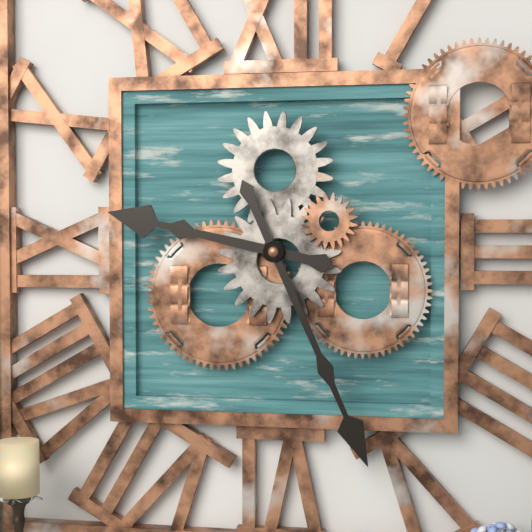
9:26
